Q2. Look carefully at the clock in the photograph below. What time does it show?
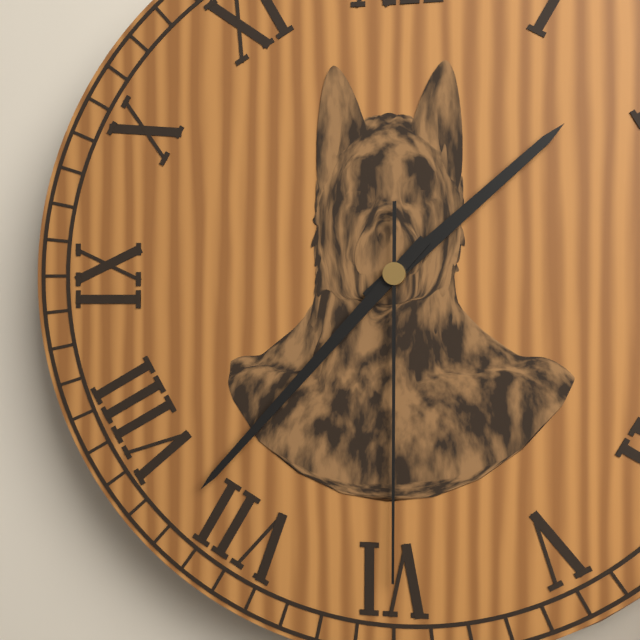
1:37:30
